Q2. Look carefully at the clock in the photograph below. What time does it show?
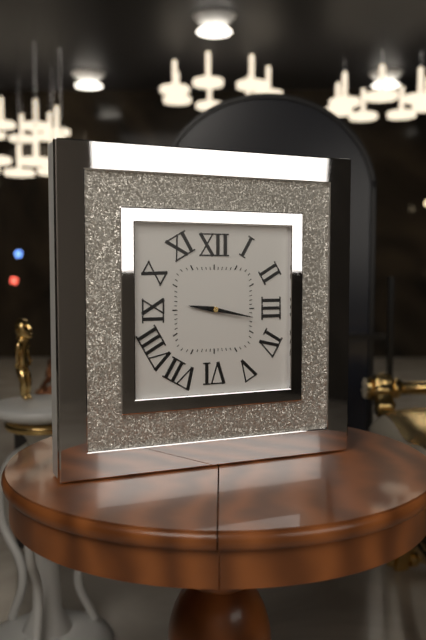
9:17
